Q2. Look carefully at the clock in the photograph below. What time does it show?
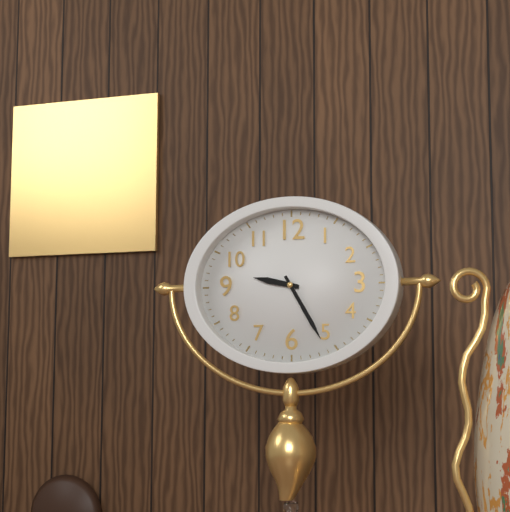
9:25
